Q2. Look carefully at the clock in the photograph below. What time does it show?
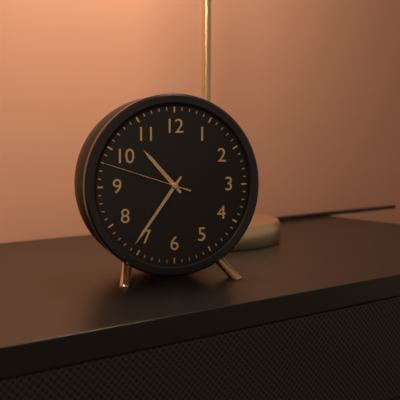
10:36:48
